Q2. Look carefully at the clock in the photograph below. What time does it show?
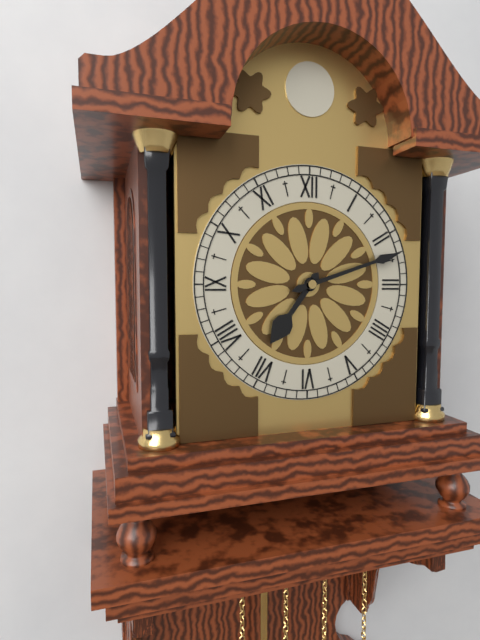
7:12
